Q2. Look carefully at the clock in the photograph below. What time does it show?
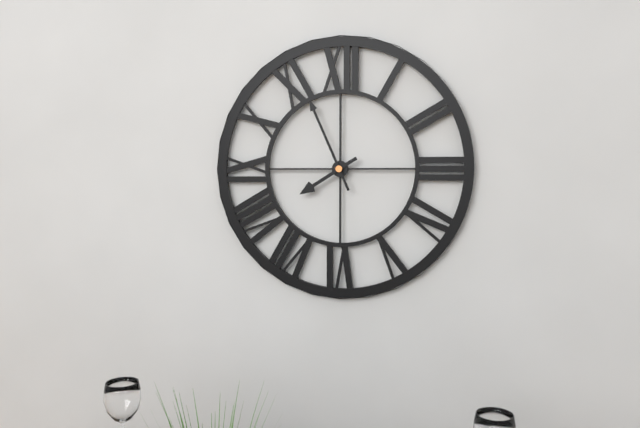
7:56
